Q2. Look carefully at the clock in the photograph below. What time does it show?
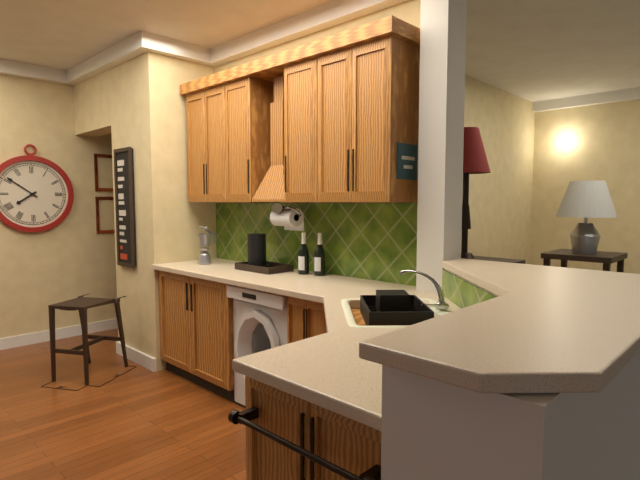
7:51
